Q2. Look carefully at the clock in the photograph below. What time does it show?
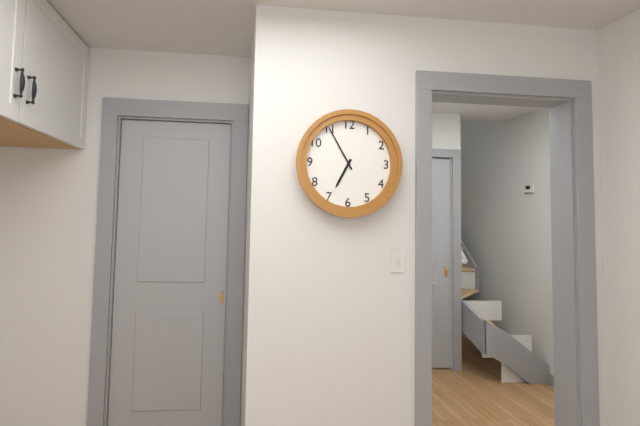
6:55
